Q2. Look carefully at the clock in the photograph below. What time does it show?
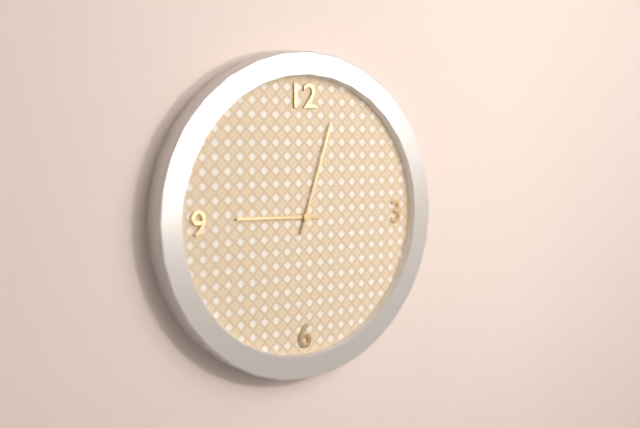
9:03
